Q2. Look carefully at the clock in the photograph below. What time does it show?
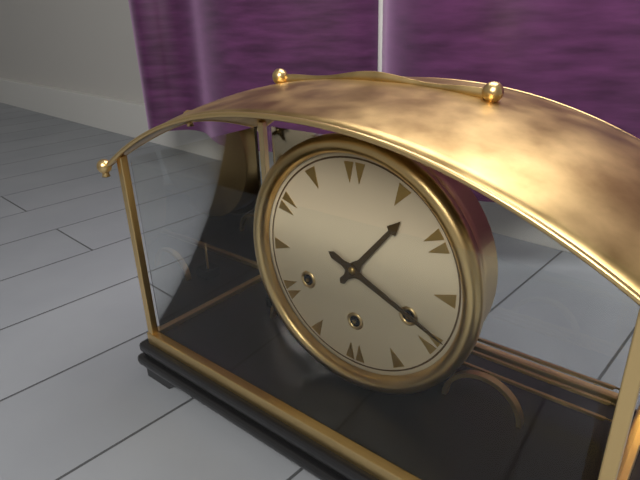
1:19
